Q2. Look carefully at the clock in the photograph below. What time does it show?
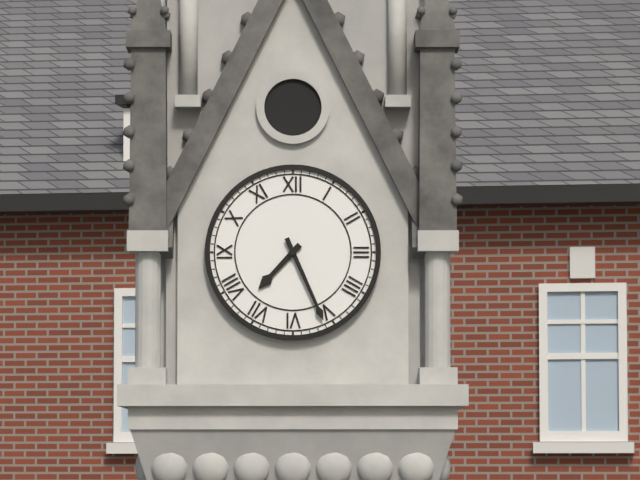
7:26
